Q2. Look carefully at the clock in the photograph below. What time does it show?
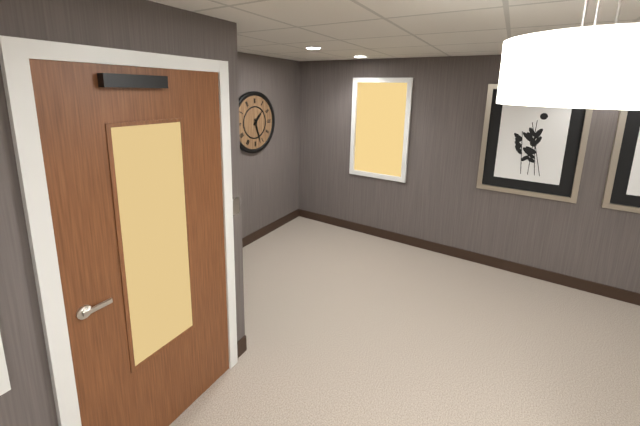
1:27
